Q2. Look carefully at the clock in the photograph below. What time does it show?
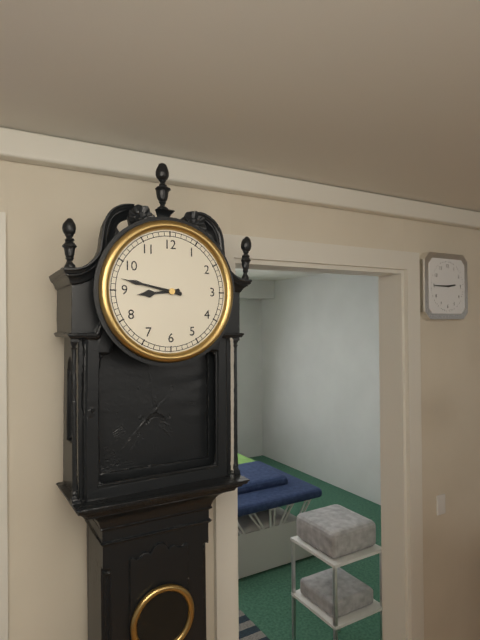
8:47
